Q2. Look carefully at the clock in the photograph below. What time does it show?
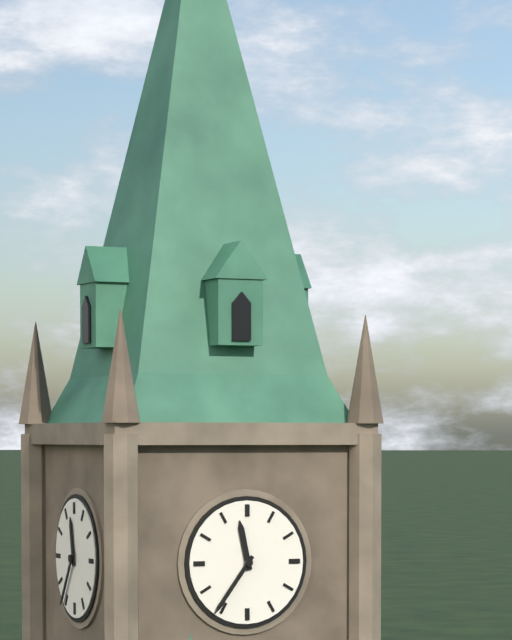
11:36
